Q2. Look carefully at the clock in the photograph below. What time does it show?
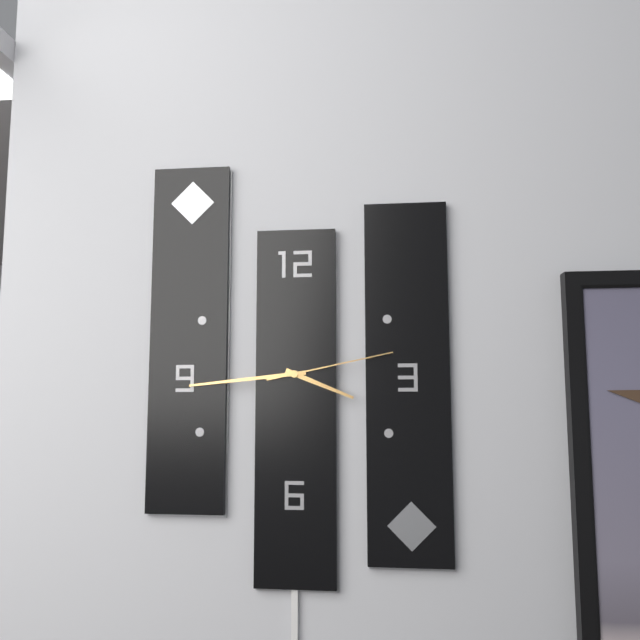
3:44:13
